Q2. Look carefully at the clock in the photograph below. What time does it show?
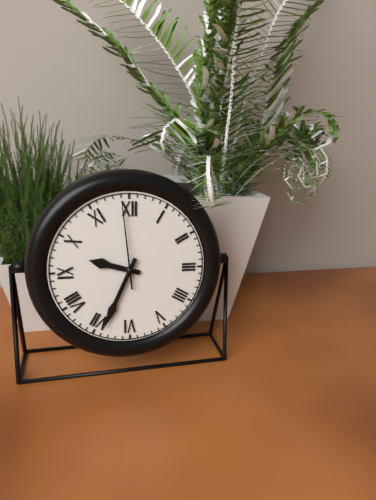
9:34:59
